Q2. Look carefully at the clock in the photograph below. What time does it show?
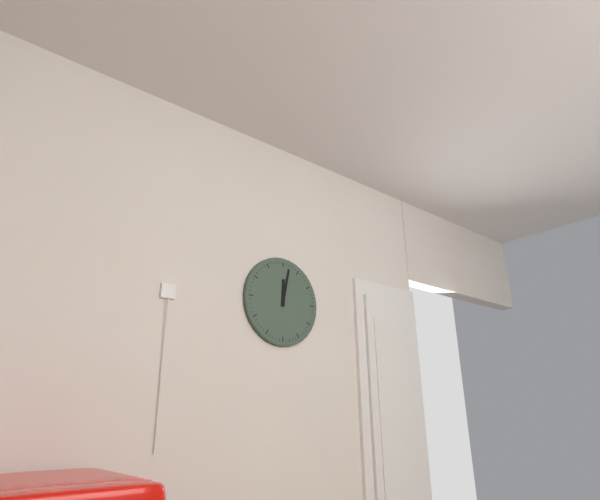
12:02
